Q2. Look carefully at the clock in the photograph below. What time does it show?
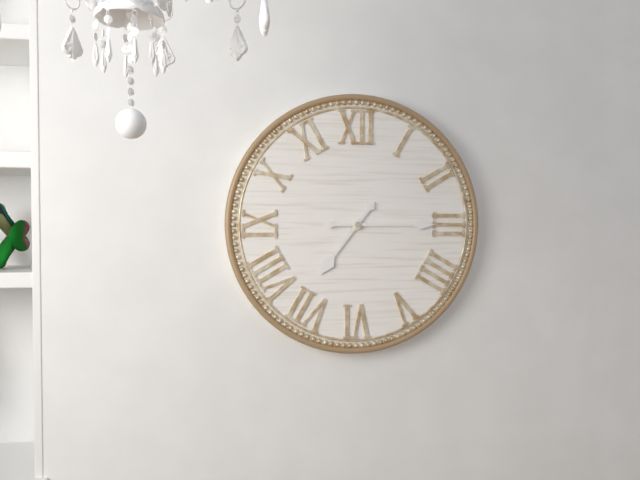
7:15
